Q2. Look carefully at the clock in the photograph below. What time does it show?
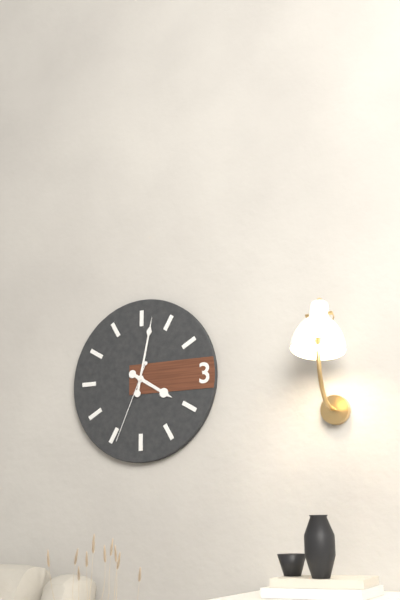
4:02:34
